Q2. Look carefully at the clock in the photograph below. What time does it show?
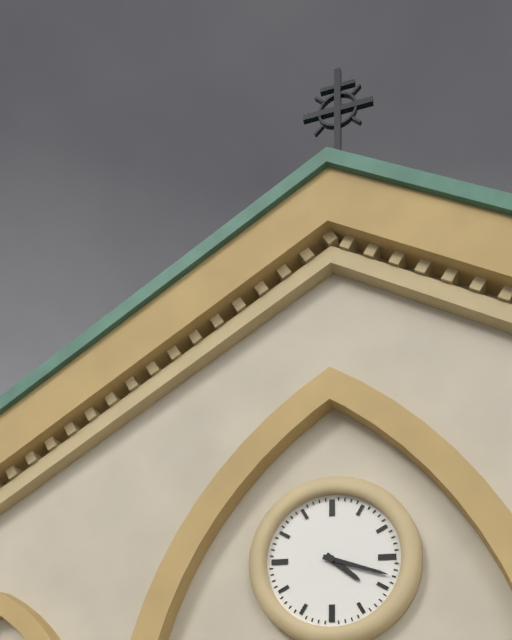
4:18
